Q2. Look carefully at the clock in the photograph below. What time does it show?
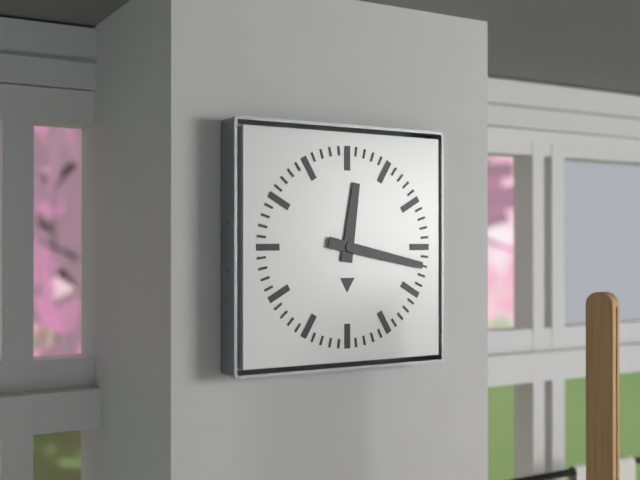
12:17
